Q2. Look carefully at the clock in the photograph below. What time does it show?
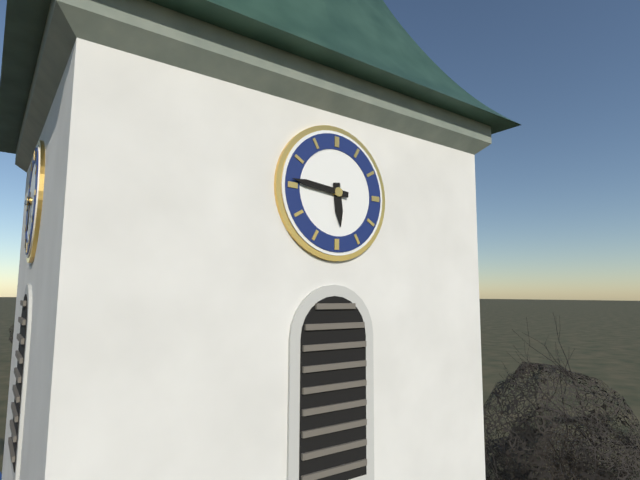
5:46
